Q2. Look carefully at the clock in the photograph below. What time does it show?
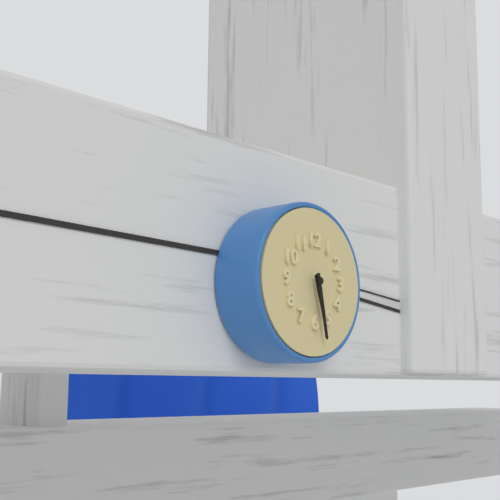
5:28
